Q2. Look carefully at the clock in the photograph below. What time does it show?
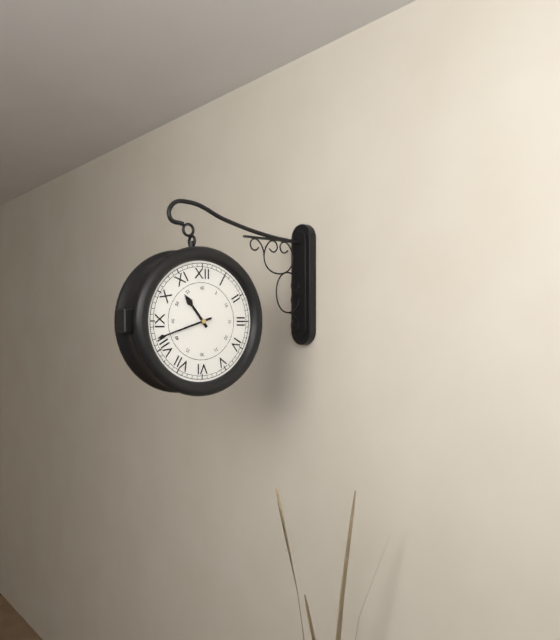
10:42
